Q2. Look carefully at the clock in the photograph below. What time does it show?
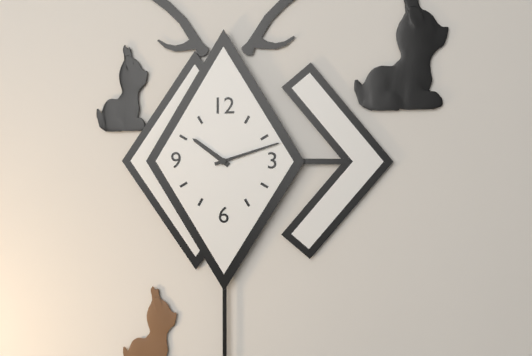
10:12
